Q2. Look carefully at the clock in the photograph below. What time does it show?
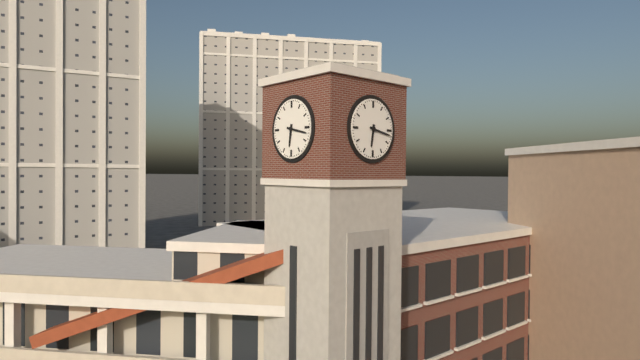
6:17
